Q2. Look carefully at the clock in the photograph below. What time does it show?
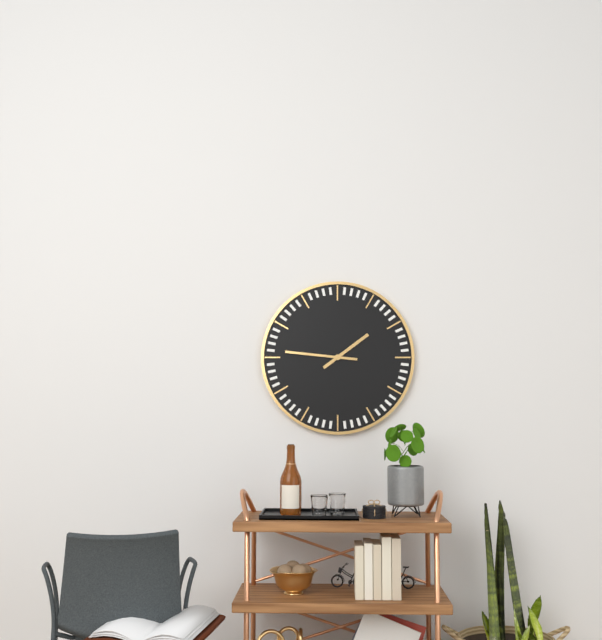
1:46
